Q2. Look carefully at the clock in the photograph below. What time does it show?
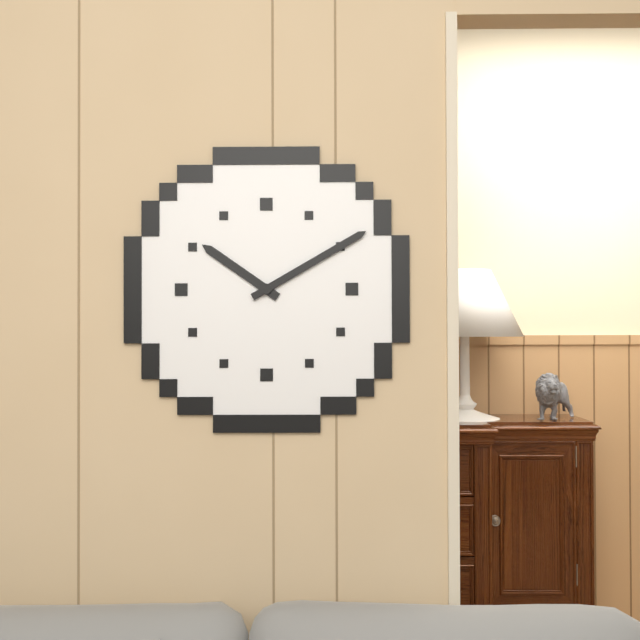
10:10
